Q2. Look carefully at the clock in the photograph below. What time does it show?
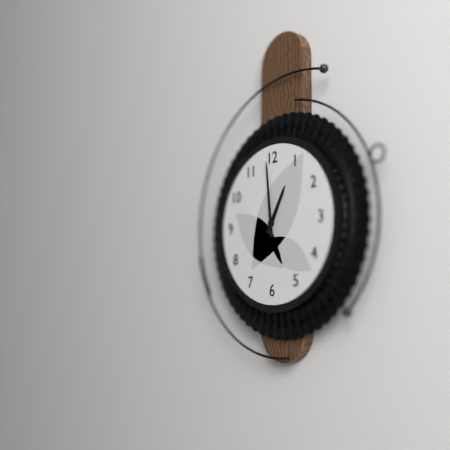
12:59
